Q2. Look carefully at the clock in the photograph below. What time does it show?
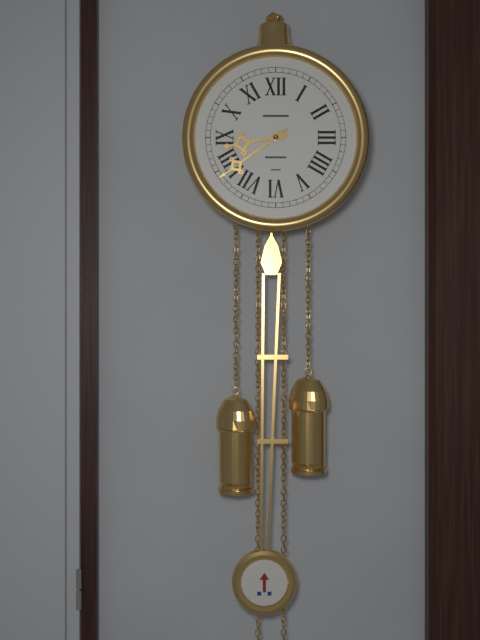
8:39
